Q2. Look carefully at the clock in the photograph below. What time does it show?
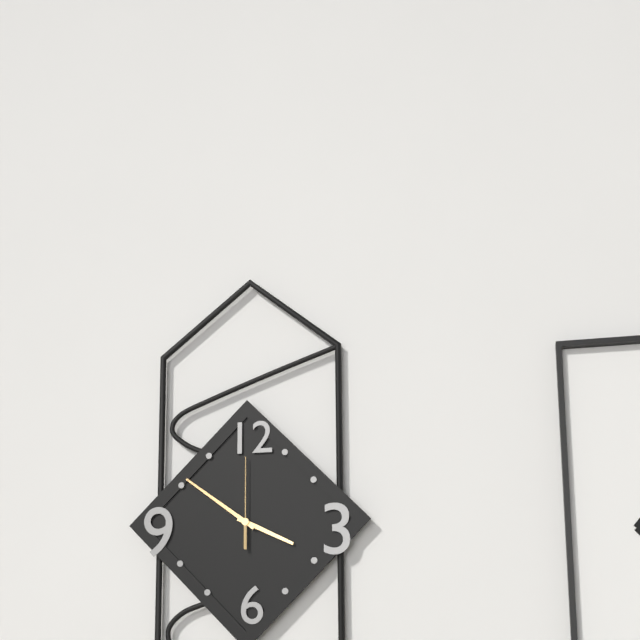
3:51:00
